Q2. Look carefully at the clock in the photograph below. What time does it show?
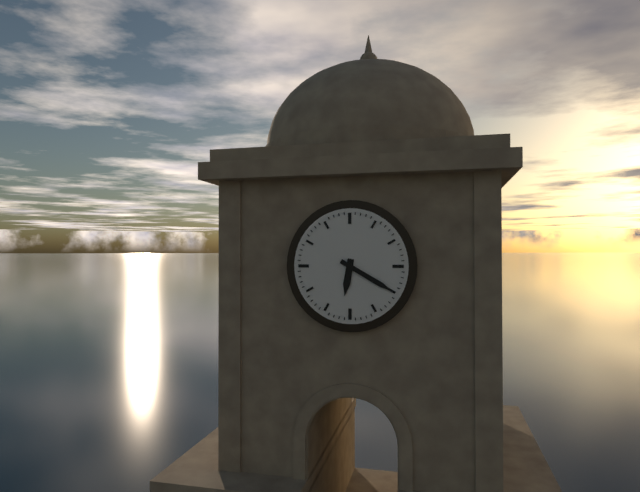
6:20
